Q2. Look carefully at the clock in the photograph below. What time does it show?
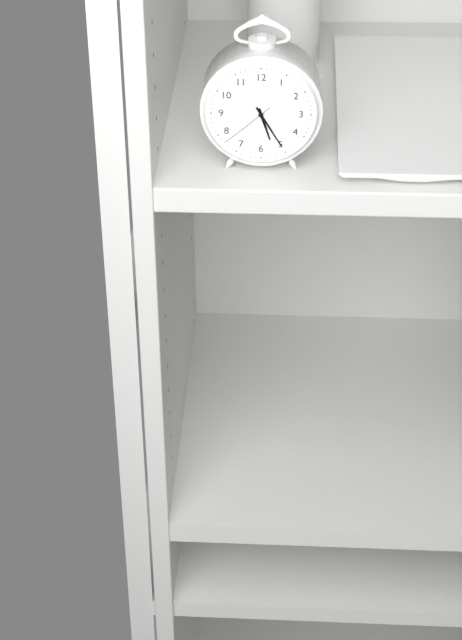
5:25:38
